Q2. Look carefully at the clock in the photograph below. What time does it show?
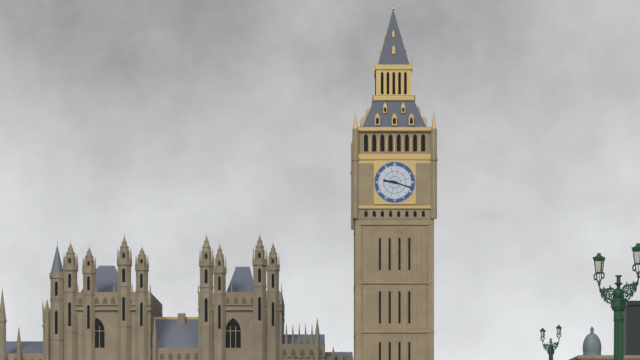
9:18
